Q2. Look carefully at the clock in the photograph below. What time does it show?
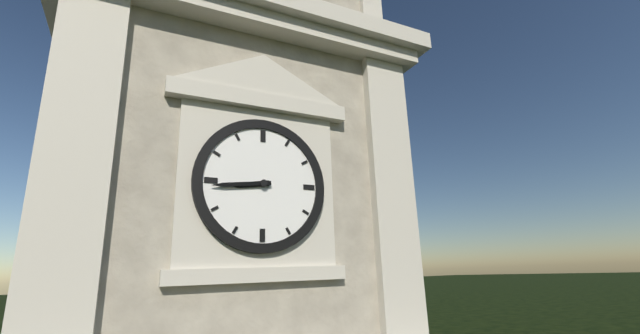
8:44
